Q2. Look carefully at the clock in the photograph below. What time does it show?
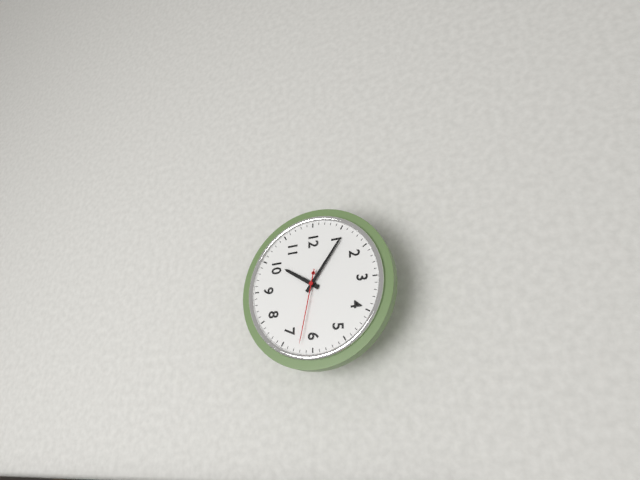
10:06:32
